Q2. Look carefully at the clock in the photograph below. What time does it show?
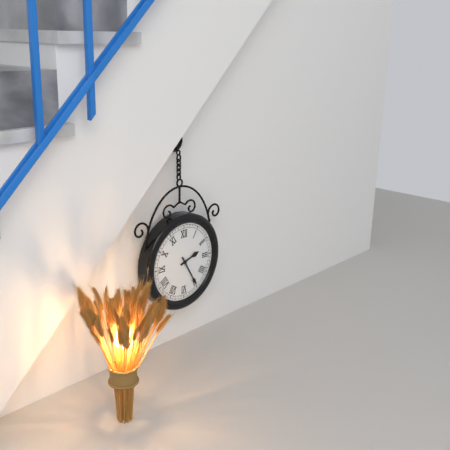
2:25
